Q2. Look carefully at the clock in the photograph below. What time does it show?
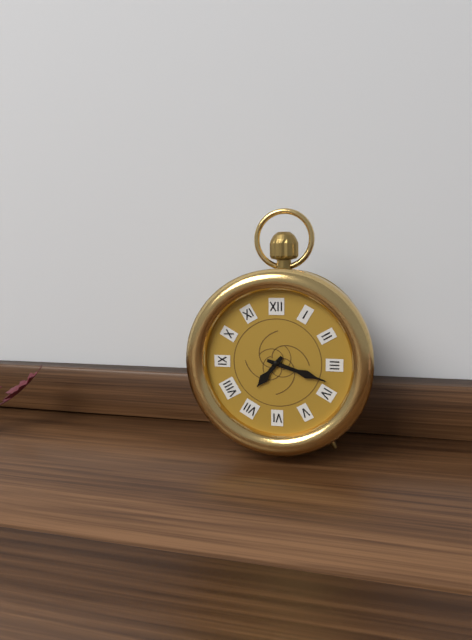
7:18
